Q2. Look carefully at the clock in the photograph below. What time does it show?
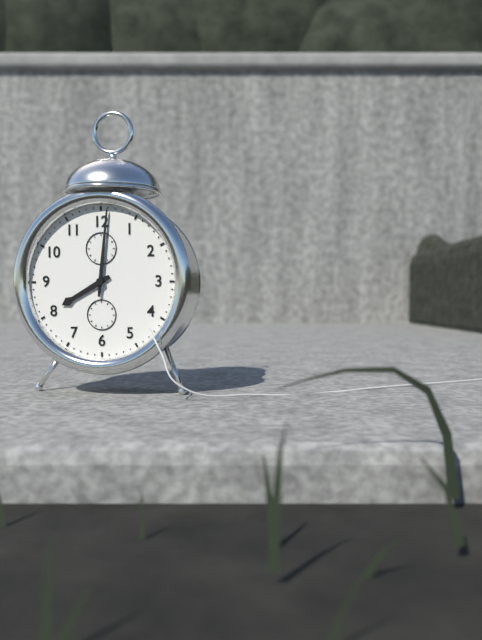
8:01
